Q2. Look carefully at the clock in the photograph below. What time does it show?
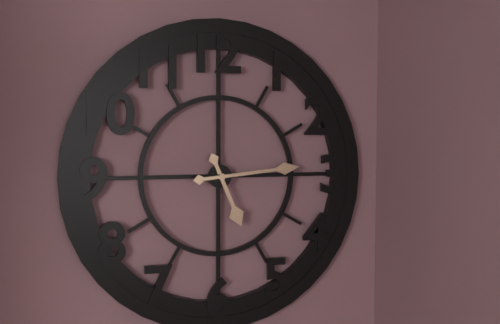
5:14
